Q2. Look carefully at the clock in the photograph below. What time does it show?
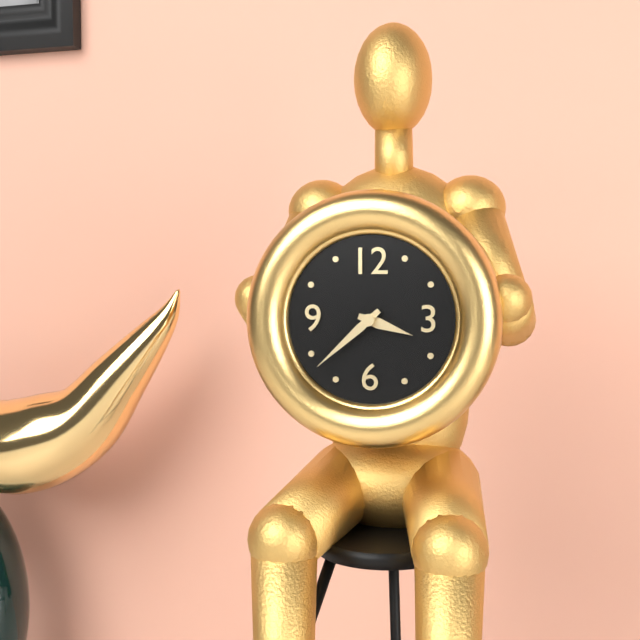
3:38
